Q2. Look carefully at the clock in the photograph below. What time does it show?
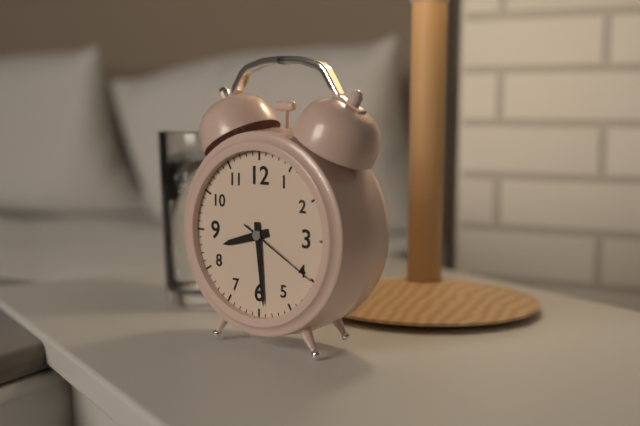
8:29:20
